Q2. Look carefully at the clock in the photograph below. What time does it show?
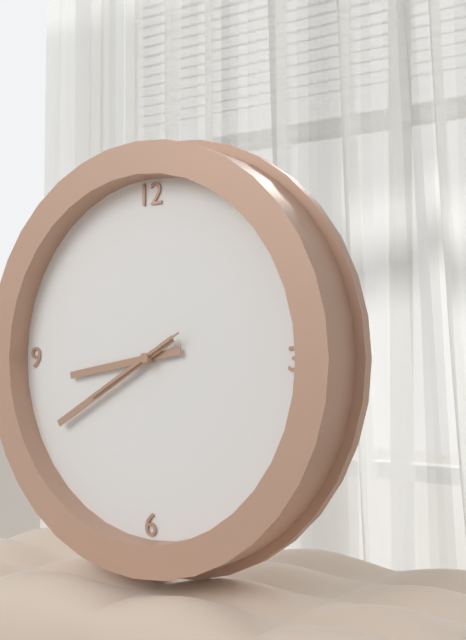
8:40:40
